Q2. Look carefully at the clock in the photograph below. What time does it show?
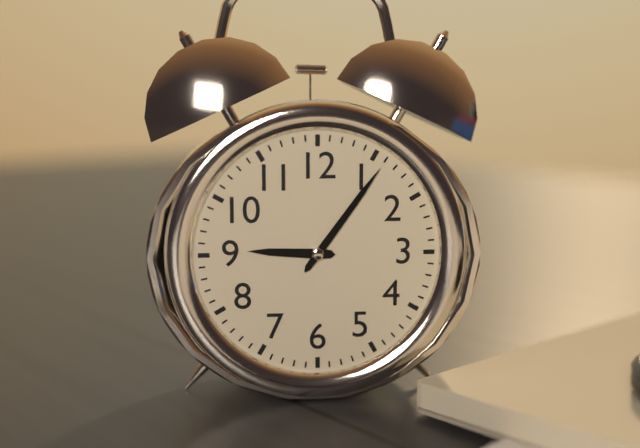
9:06
